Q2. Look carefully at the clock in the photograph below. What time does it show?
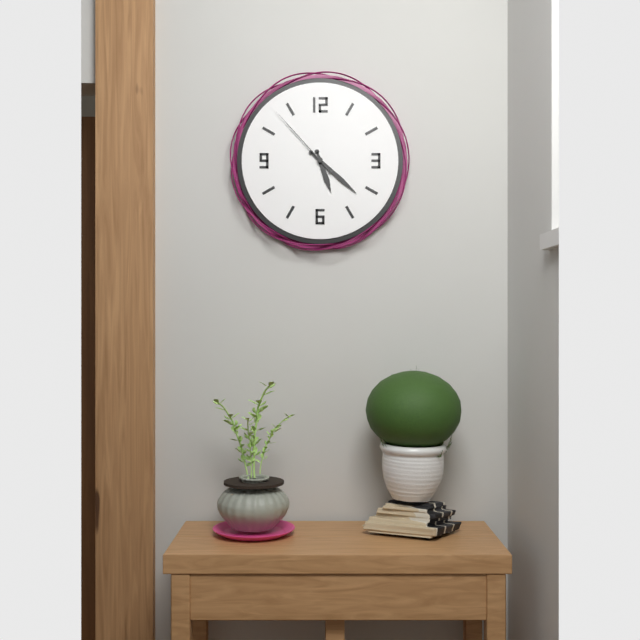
5:22:53
